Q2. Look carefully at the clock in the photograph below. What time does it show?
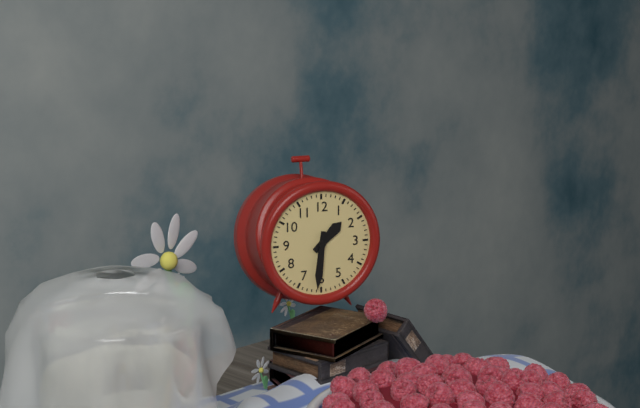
1:31
